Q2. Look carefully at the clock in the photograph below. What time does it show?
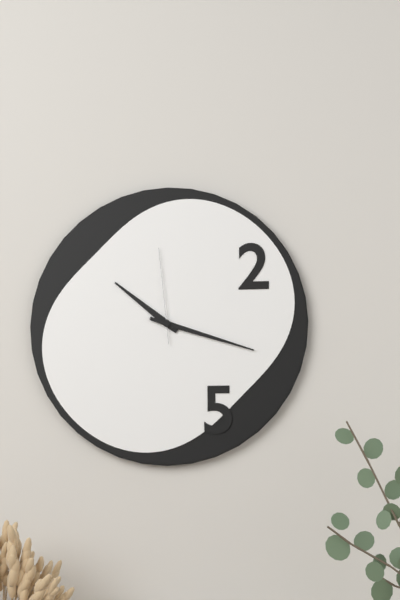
10:18:59
